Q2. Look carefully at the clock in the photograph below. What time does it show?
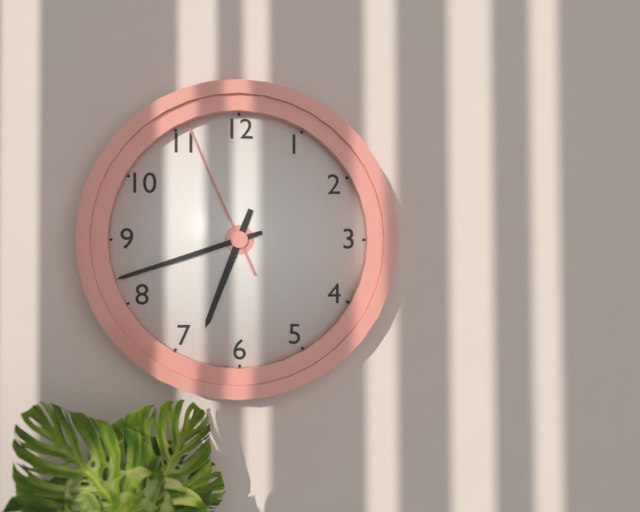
6:42:56
